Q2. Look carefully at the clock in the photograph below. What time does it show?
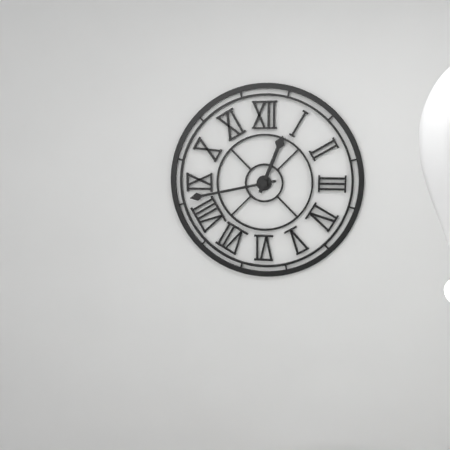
12:43
